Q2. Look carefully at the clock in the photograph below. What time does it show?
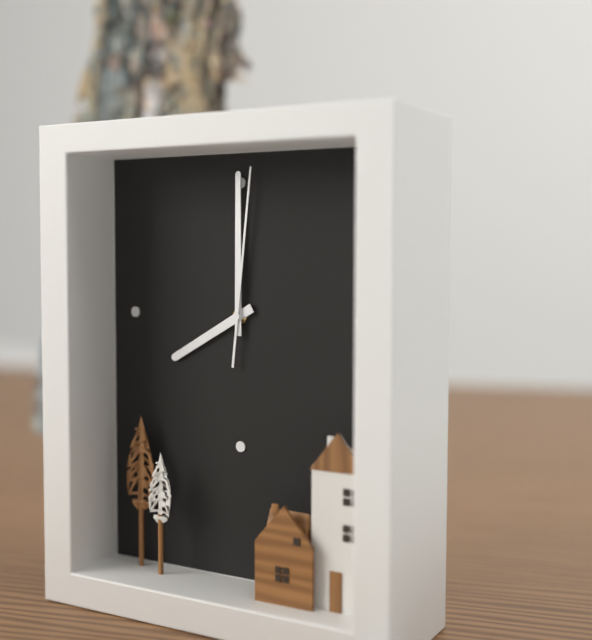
8:00:01
